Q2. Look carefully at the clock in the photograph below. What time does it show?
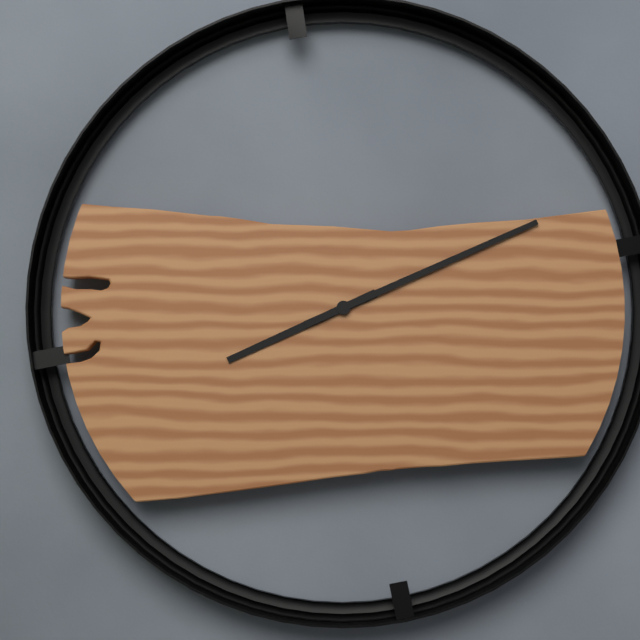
8:11
